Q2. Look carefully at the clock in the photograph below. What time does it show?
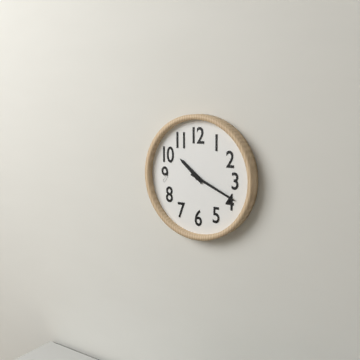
10:19
